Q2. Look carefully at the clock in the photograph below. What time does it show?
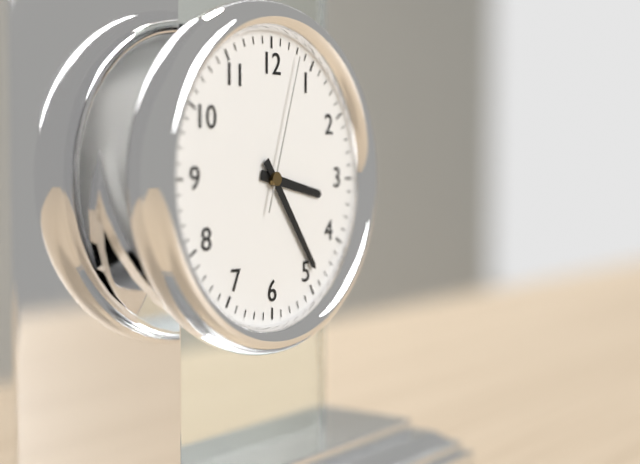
3:24:03
